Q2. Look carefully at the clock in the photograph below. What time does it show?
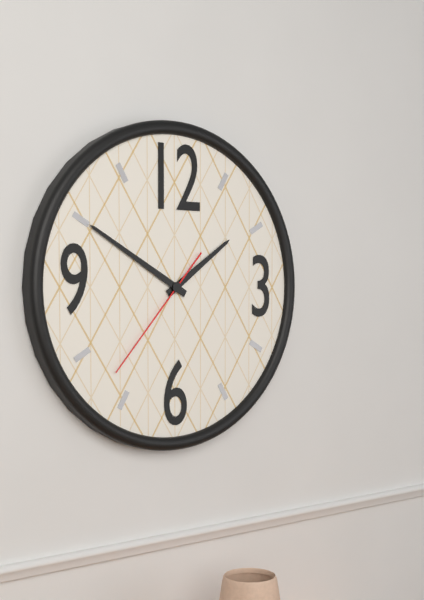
1:50:37
